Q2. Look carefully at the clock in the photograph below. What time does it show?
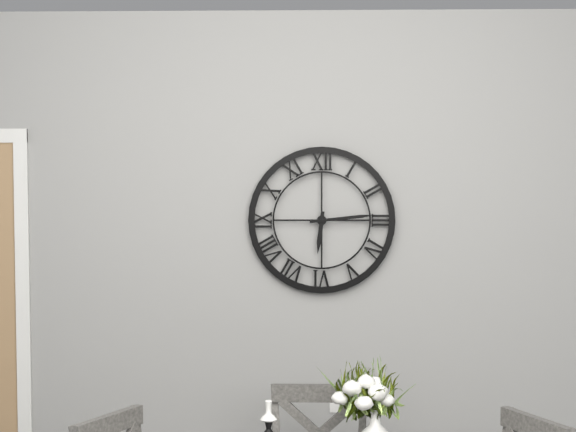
6:14
